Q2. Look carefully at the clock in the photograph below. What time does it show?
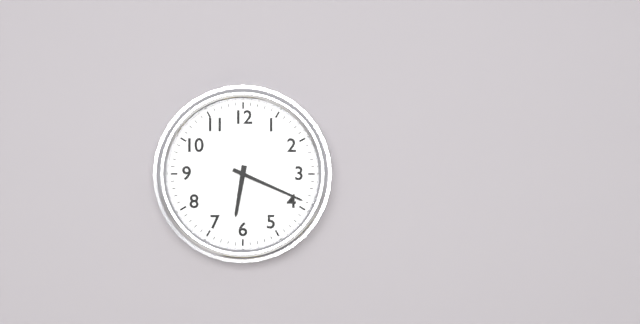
6:19
